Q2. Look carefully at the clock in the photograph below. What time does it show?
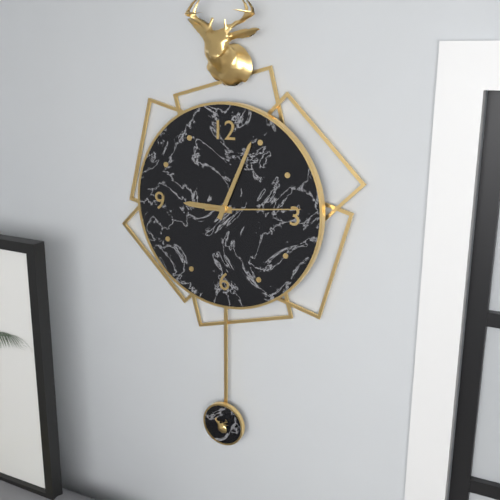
9:04:14
